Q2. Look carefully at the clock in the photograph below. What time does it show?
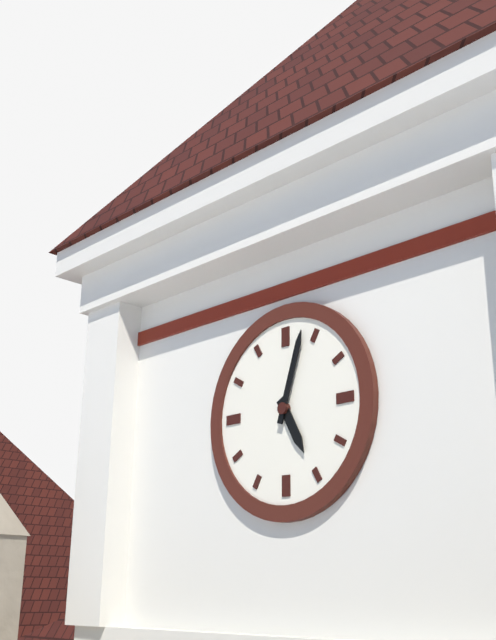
5:03
